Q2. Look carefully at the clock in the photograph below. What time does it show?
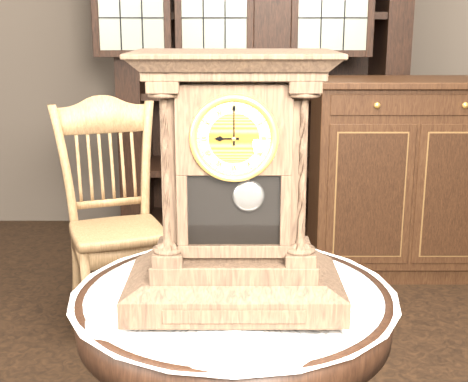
9:00
